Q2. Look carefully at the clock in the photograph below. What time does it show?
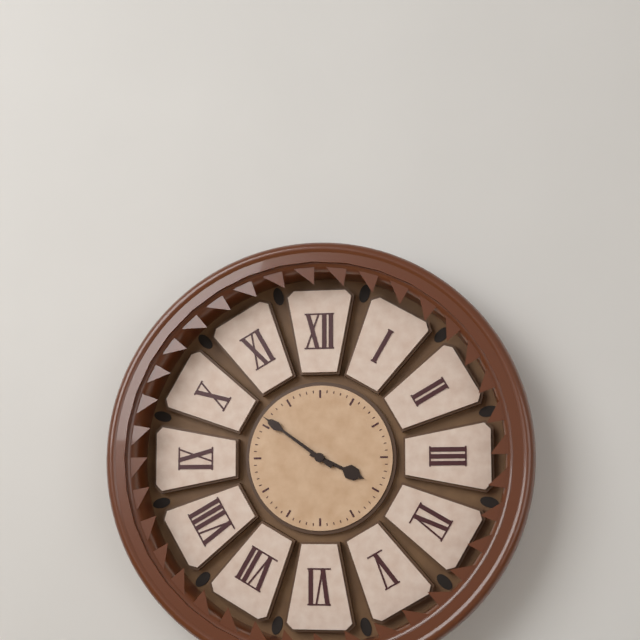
3:51
